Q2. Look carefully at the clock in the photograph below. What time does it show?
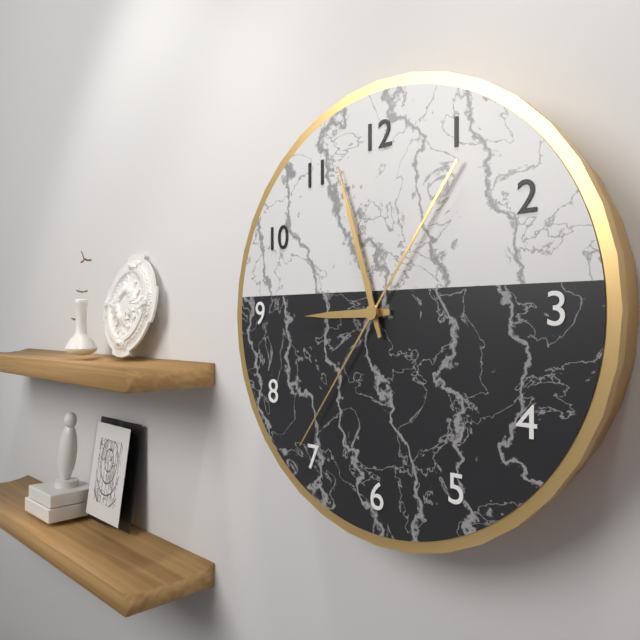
8:57:36
